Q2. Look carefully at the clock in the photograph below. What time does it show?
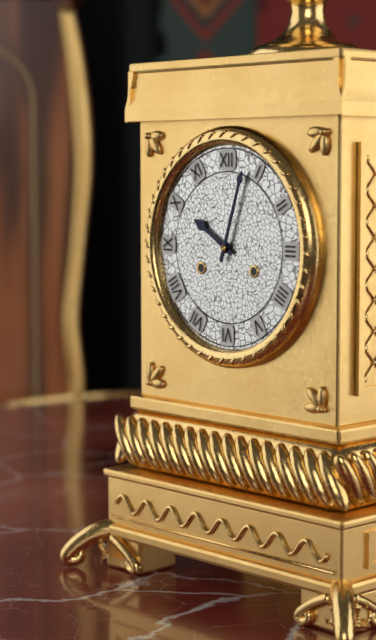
10:03
